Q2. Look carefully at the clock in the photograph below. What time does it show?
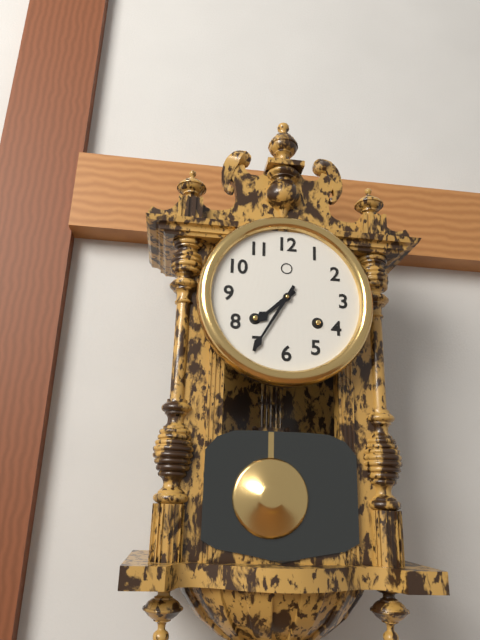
7:35
